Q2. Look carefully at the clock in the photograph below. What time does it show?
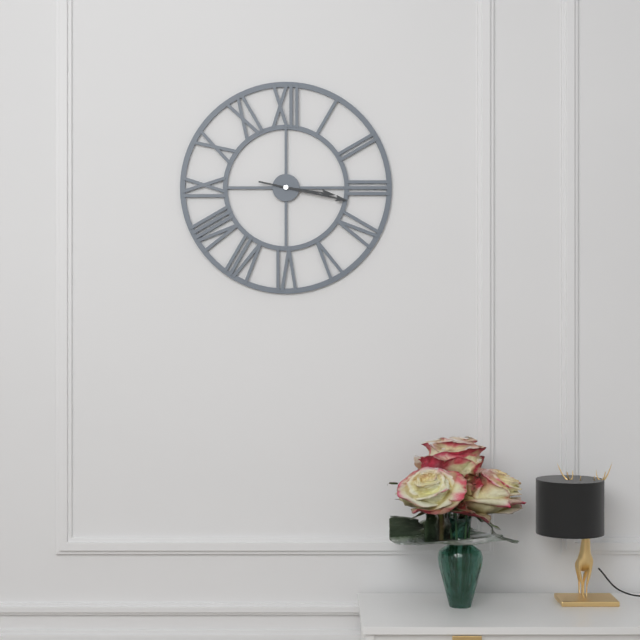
3:17
